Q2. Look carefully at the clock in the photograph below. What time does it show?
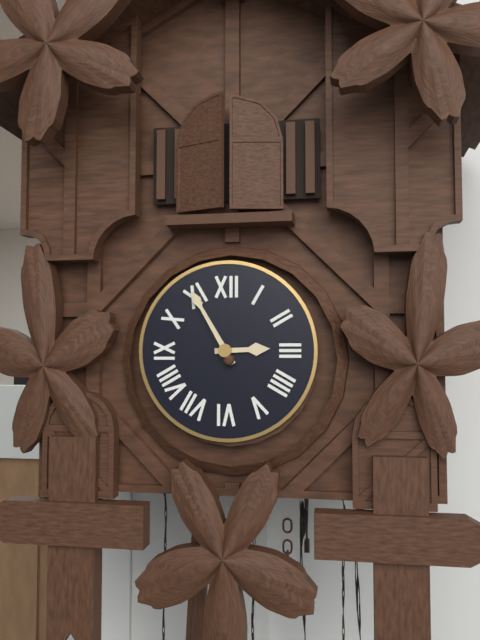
2:55
